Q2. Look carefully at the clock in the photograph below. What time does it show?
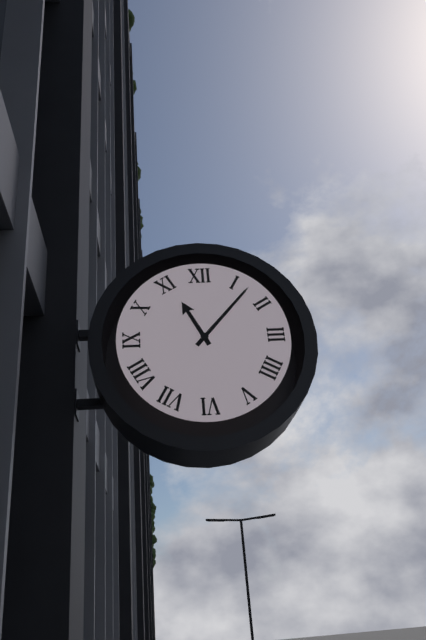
11:07
